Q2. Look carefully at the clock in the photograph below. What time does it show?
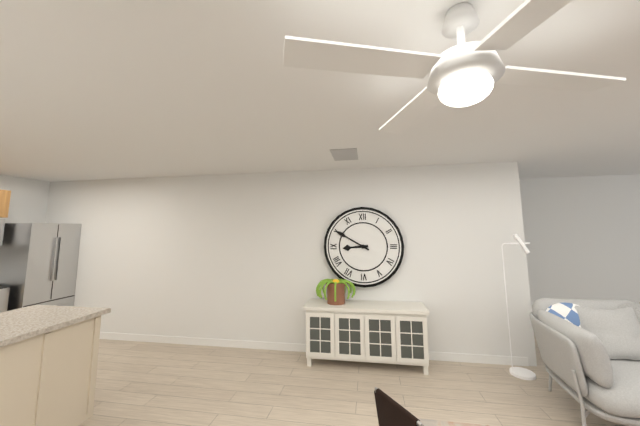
8:50
